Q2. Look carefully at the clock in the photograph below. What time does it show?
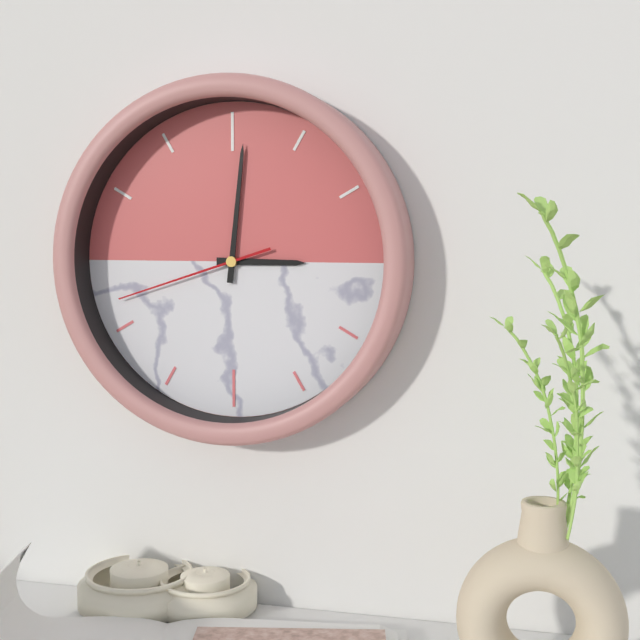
3:01:42
